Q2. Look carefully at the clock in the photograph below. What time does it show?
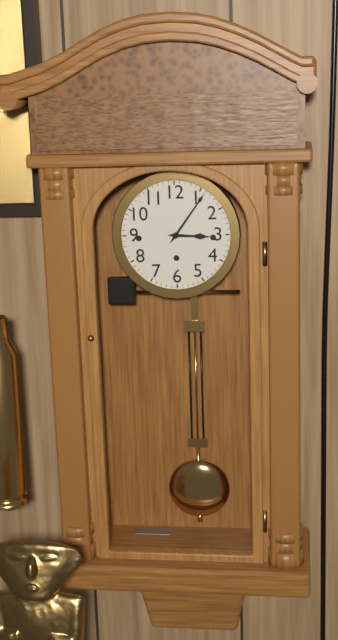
3:06
